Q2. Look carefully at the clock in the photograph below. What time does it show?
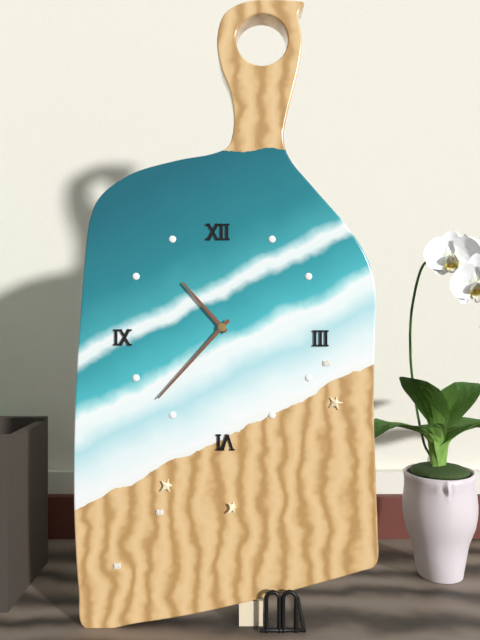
10:37
